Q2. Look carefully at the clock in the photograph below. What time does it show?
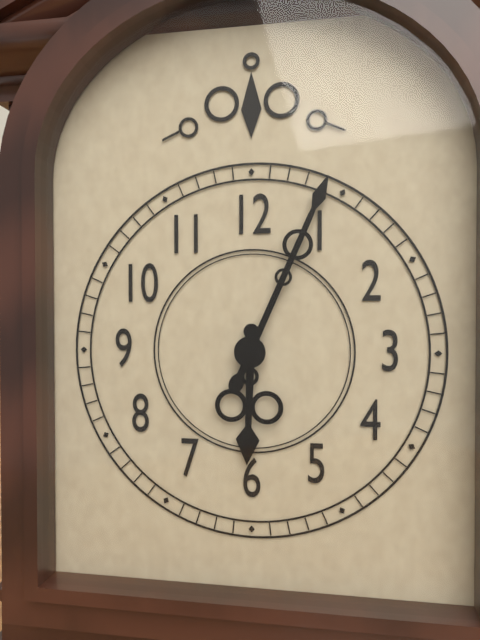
6:04
